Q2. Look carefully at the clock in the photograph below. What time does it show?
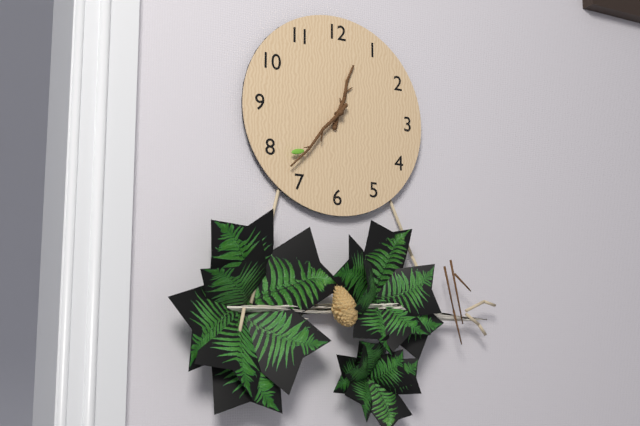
12:37
